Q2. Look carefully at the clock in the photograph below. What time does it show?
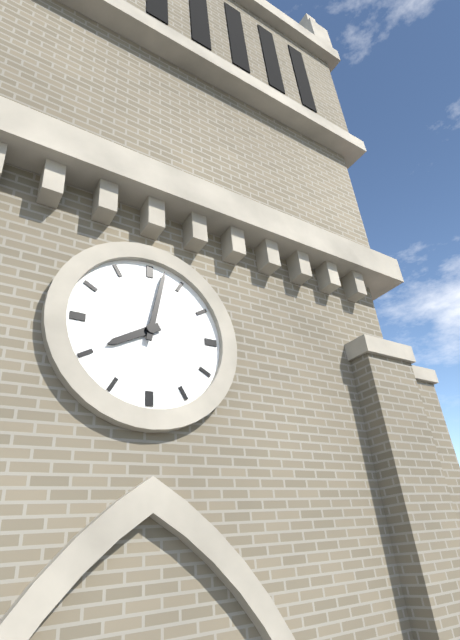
8:02
